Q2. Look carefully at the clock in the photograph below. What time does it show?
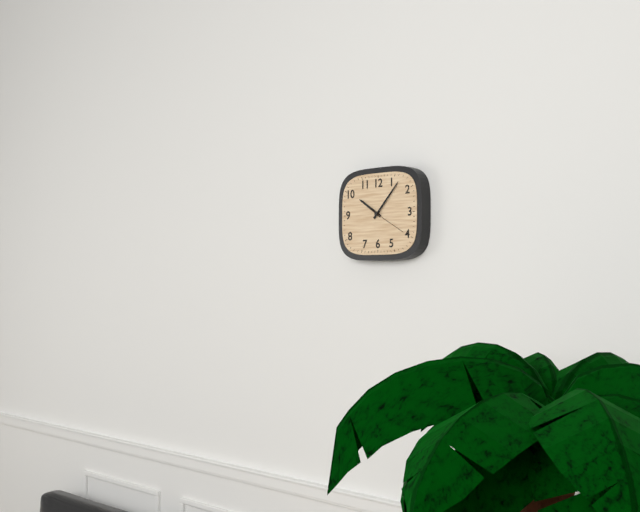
10:07
